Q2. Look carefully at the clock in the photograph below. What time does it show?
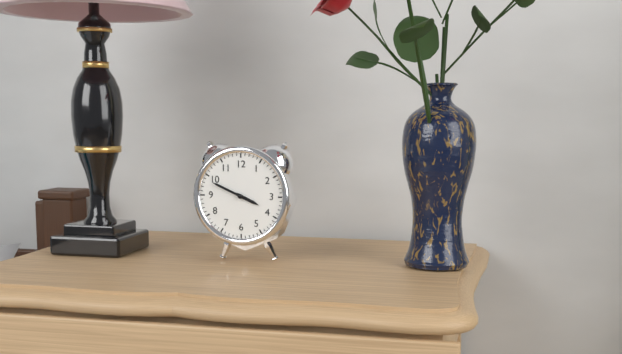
3:49
